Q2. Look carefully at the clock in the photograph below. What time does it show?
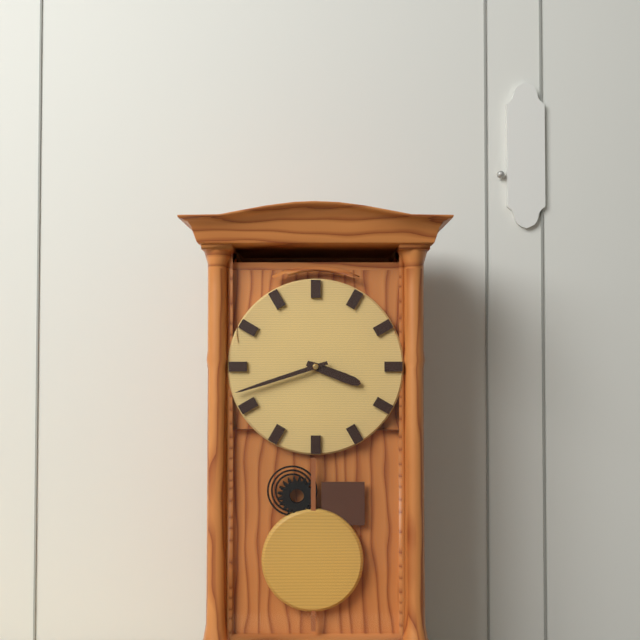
3:42
